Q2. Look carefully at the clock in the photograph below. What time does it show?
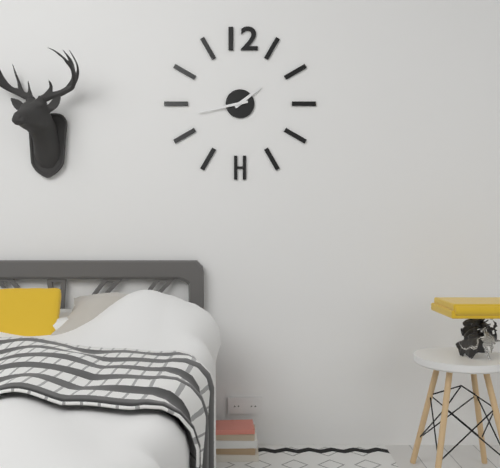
1:43
